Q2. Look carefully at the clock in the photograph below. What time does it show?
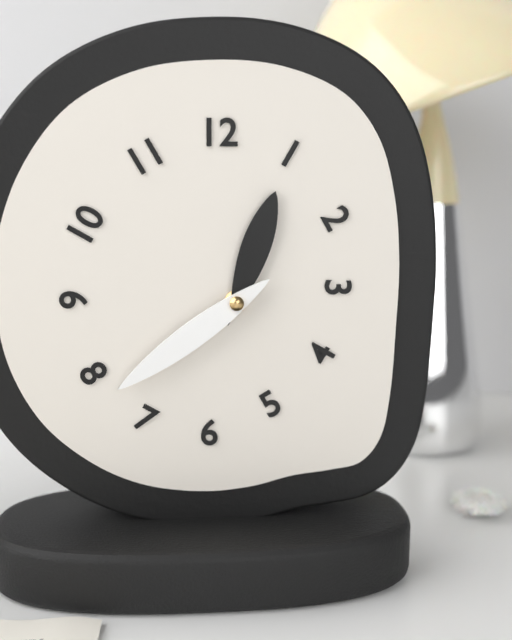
12:39
